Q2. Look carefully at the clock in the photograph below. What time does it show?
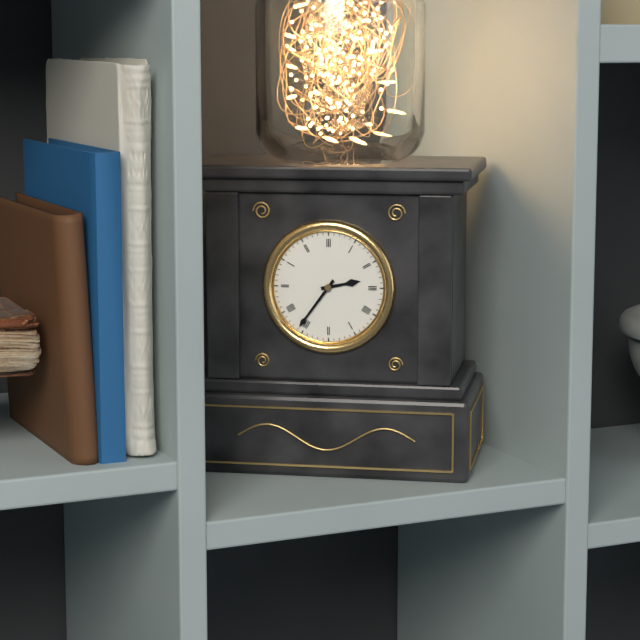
2:36
